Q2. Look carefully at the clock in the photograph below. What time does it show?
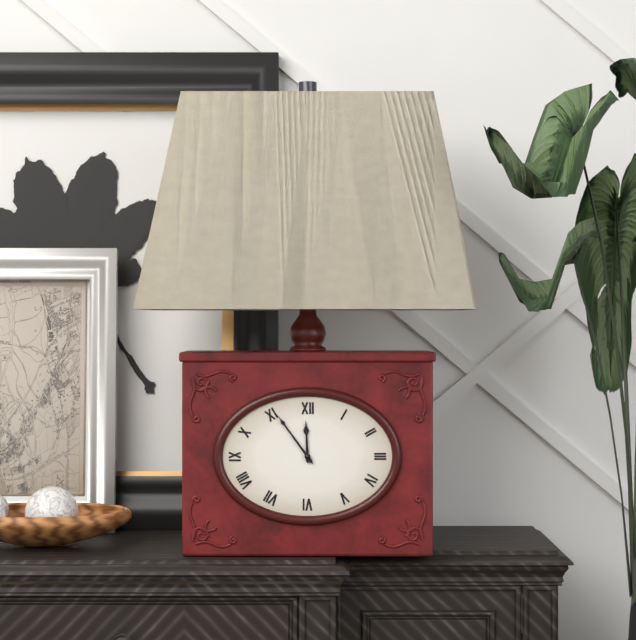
11:54
